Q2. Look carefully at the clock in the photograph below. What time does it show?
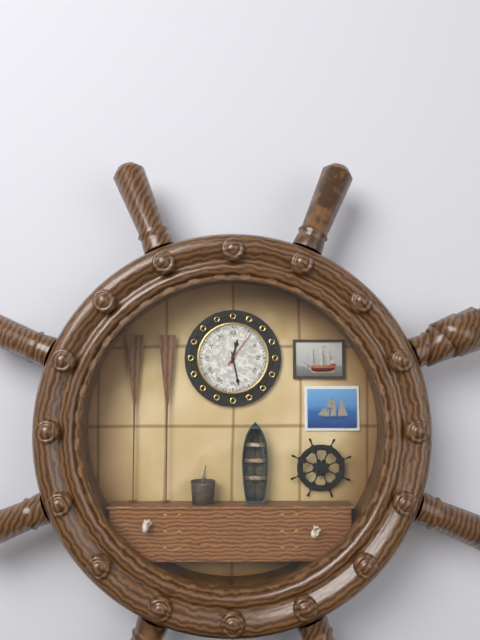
12:28
